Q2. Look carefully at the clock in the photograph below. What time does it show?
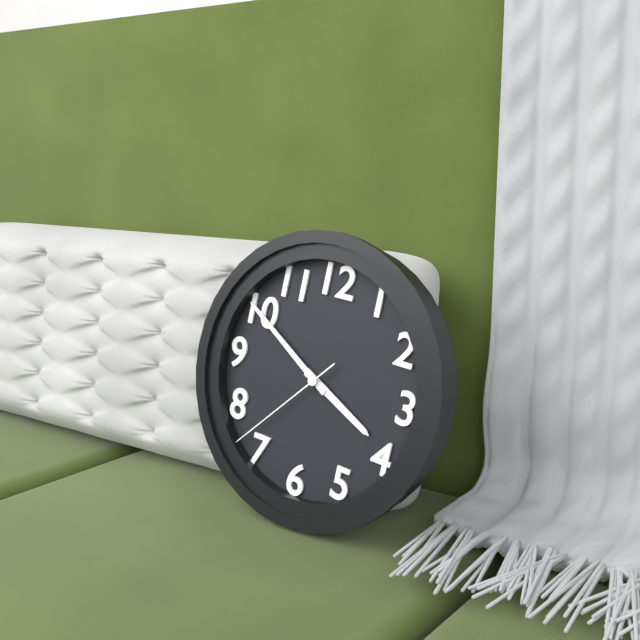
3:50:37
